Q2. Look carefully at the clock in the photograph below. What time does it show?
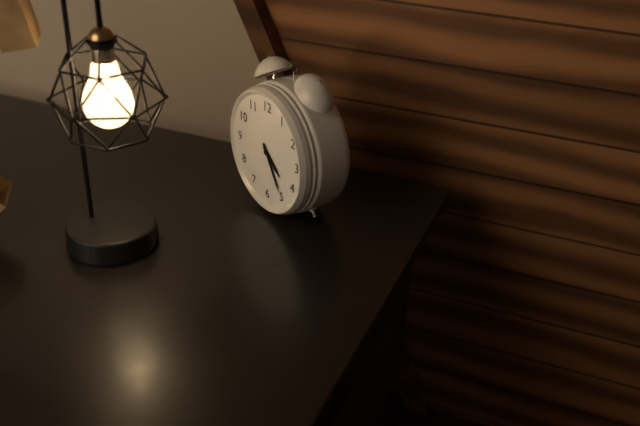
4:25
